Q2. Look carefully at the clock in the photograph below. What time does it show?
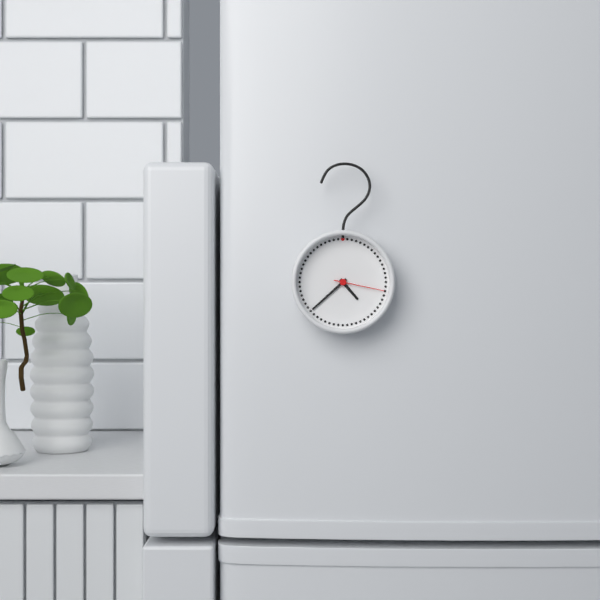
4:38:17
